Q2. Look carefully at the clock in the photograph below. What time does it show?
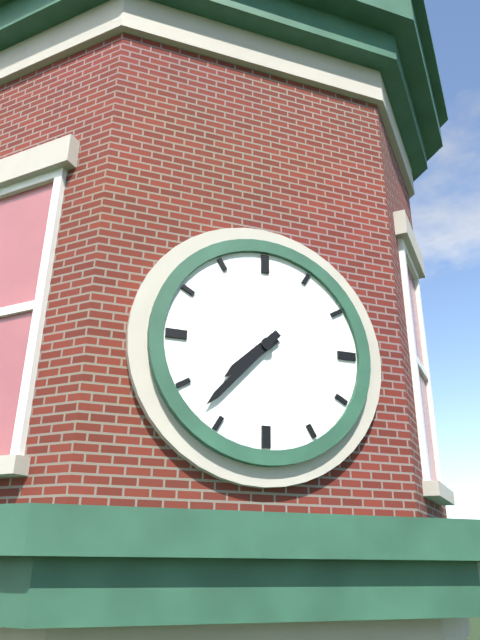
7:37
